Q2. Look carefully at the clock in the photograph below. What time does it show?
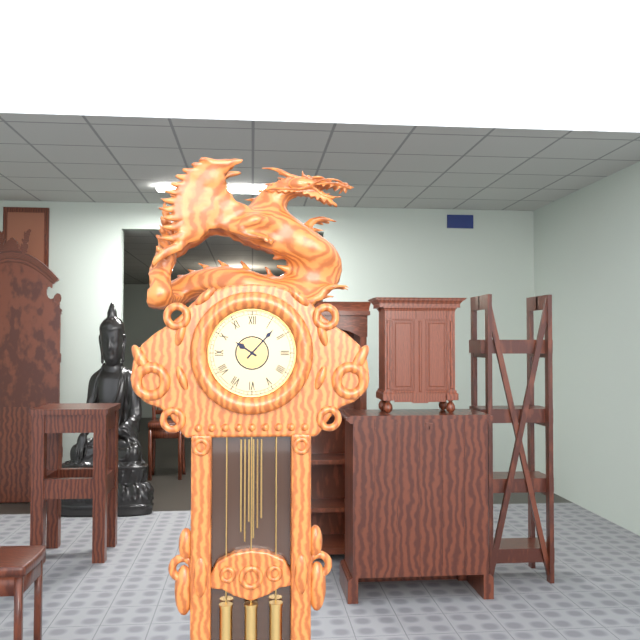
10:07
